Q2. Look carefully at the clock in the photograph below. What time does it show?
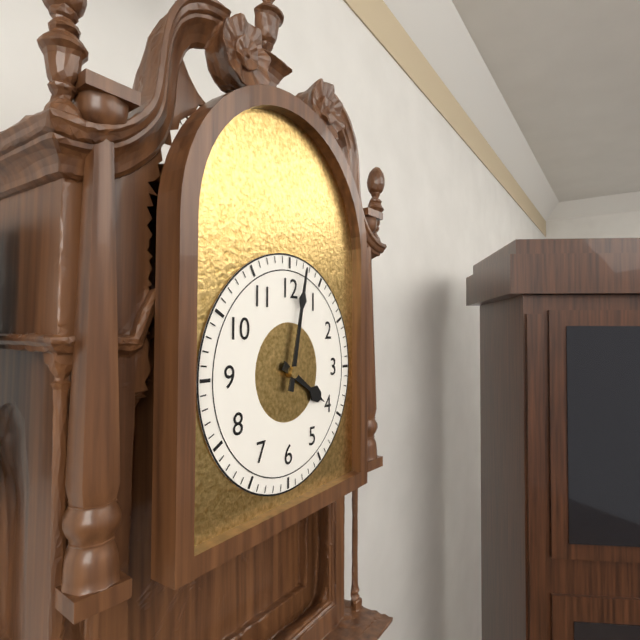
4:02
